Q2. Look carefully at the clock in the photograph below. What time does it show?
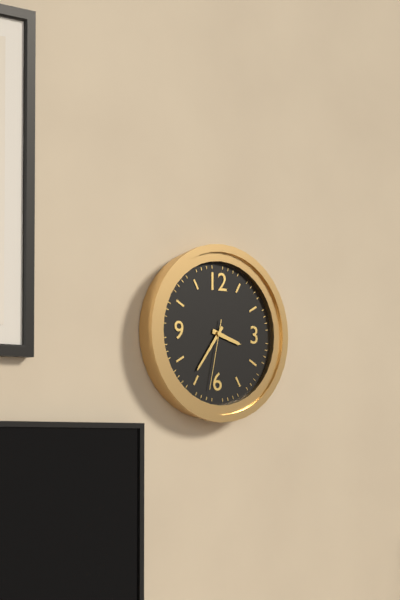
3:36:32
